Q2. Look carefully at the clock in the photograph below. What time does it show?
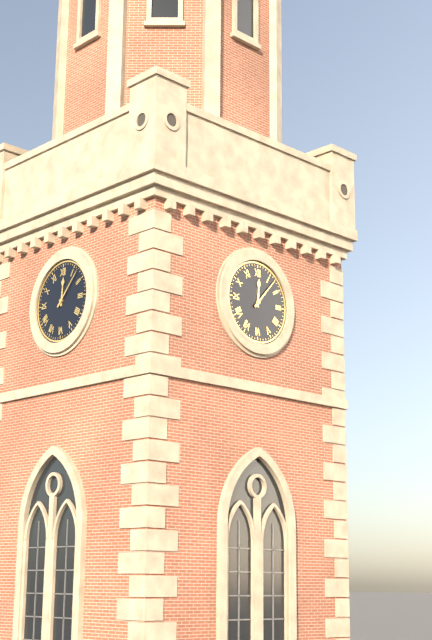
12:07
